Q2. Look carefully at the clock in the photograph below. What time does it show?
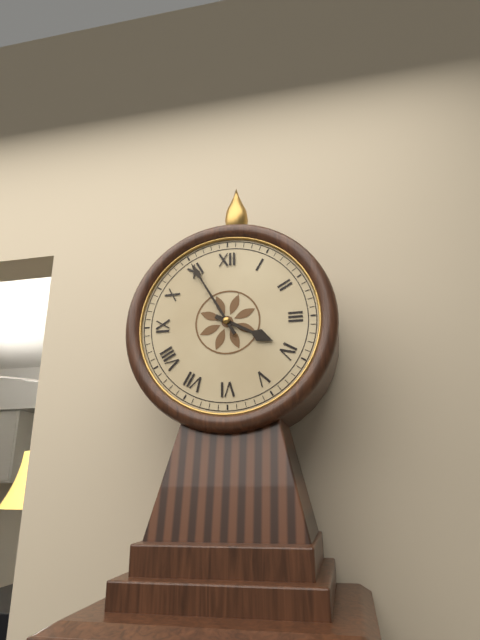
3:55
